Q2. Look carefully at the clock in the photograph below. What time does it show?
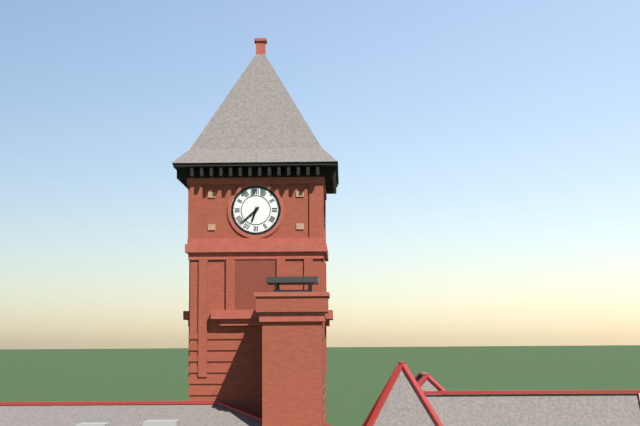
6:38
